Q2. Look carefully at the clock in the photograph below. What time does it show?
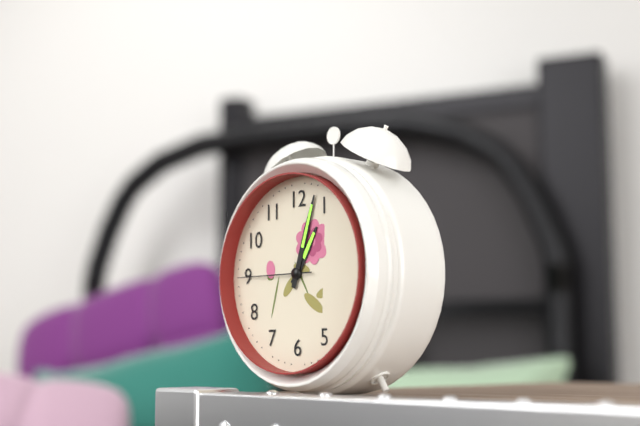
1:03:45
